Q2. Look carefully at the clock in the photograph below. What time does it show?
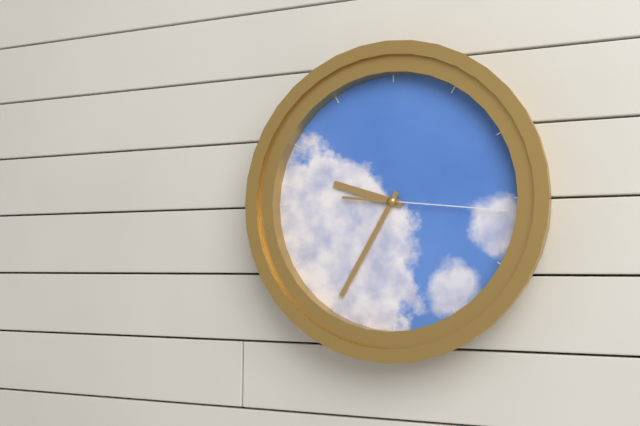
9:35:16
